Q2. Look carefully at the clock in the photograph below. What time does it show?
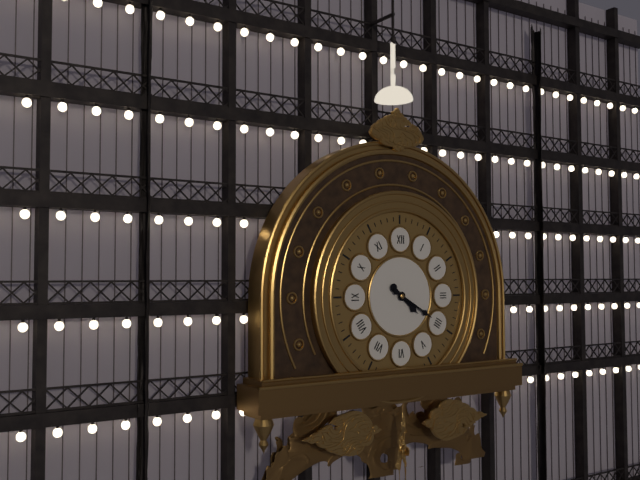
4:20
